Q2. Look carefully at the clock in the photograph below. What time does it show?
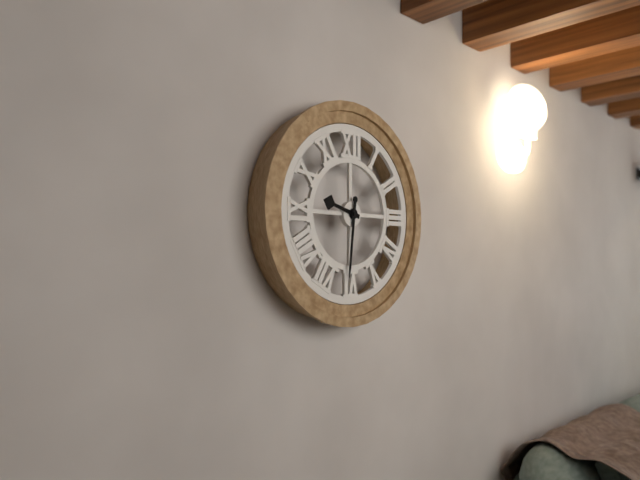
9:31
